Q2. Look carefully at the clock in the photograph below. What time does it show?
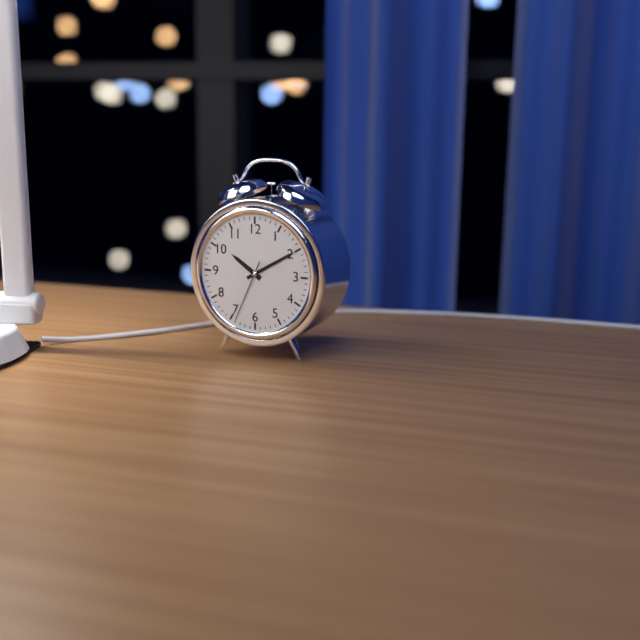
10:10:34
